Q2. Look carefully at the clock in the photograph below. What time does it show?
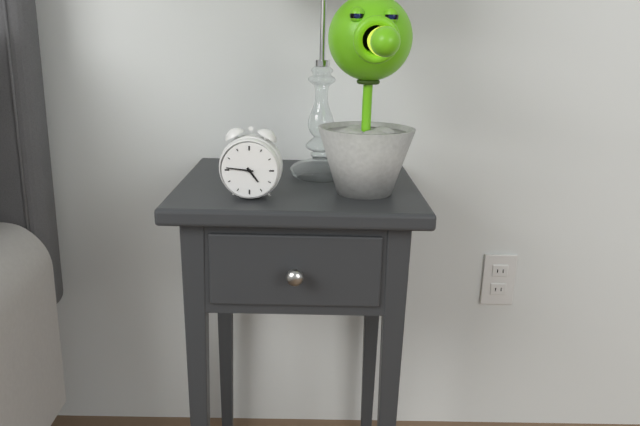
4:46
